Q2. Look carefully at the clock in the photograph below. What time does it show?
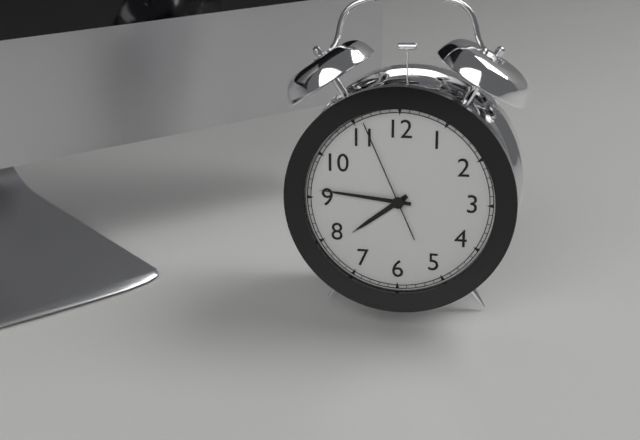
7:46:56
